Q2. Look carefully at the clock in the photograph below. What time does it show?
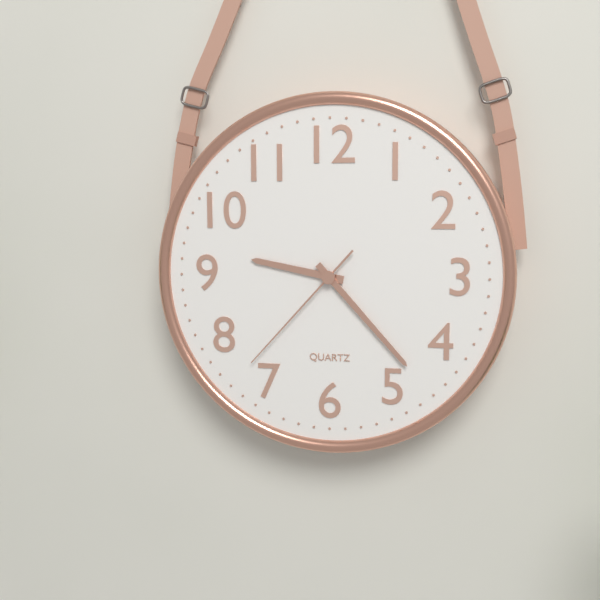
9:23:37
